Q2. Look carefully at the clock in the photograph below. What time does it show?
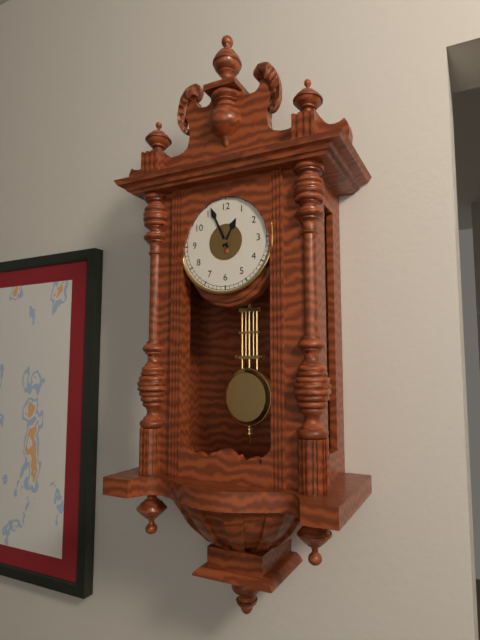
12:56
